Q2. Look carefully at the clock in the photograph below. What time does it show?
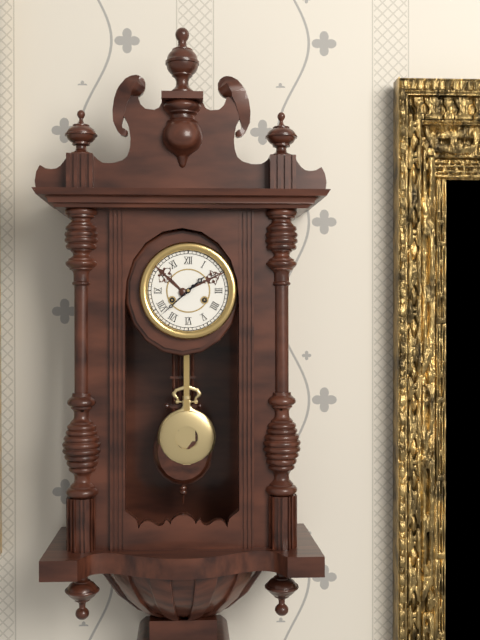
1:38
